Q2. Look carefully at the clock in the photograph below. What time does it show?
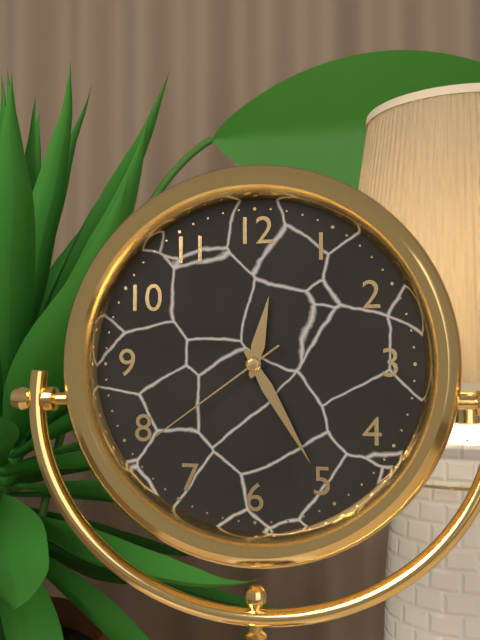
12:25:39
